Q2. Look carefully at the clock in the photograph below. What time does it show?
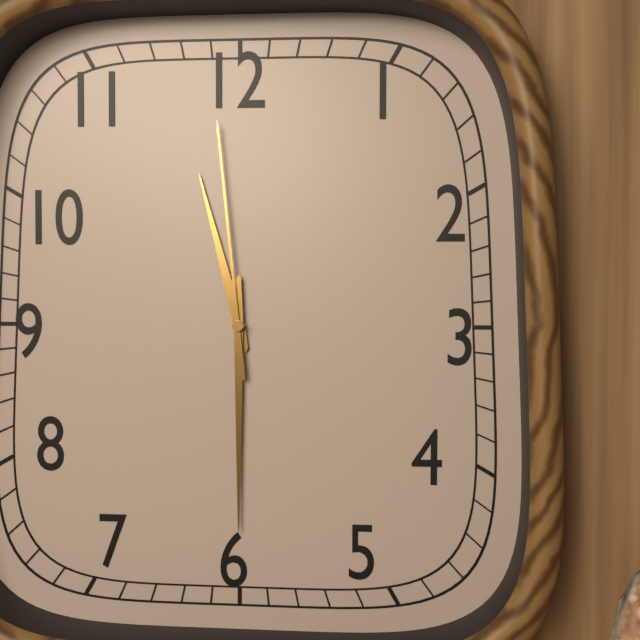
11:30:59
